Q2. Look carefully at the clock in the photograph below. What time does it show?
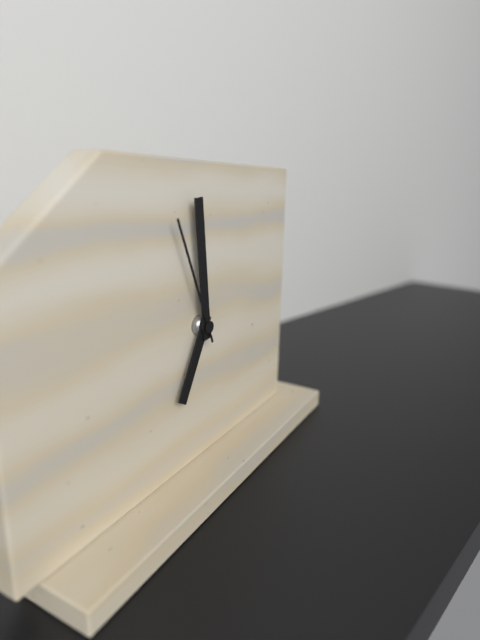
6:59:56
